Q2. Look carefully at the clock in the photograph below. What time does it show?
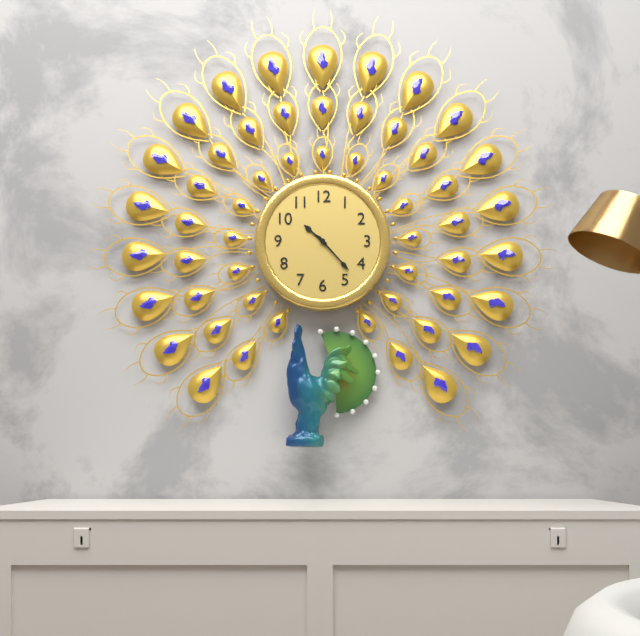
10:23
